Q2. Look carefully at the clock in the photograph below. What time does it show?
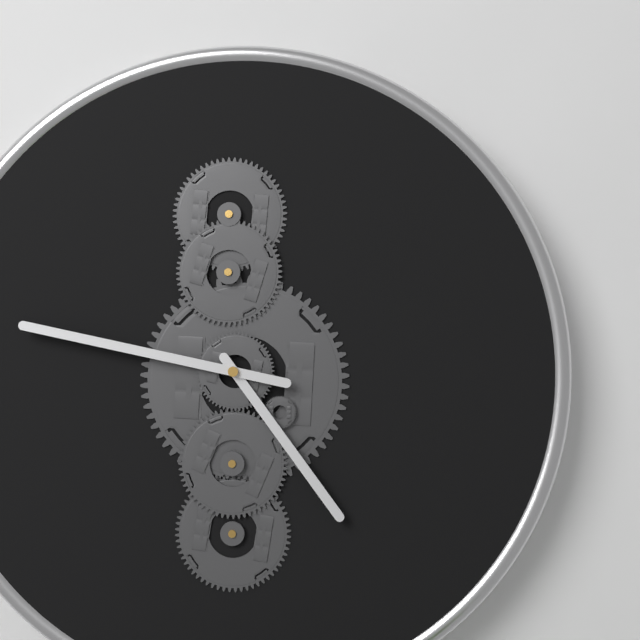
4:47
